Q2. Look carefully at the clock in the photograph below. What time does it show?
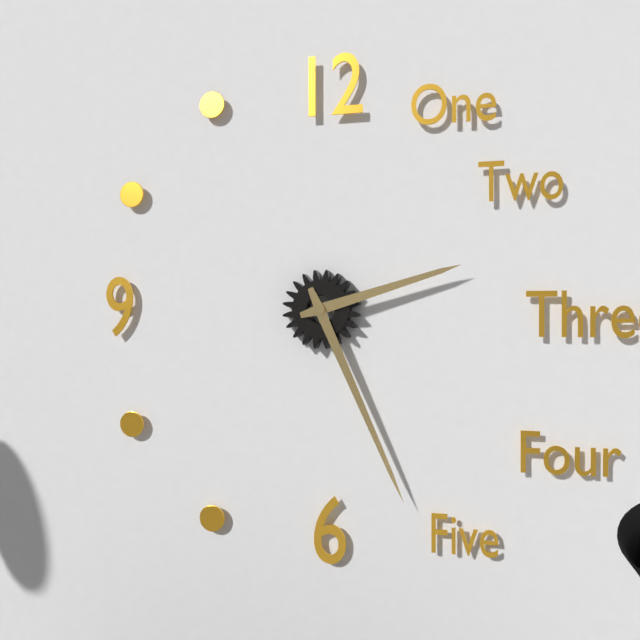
2:26
